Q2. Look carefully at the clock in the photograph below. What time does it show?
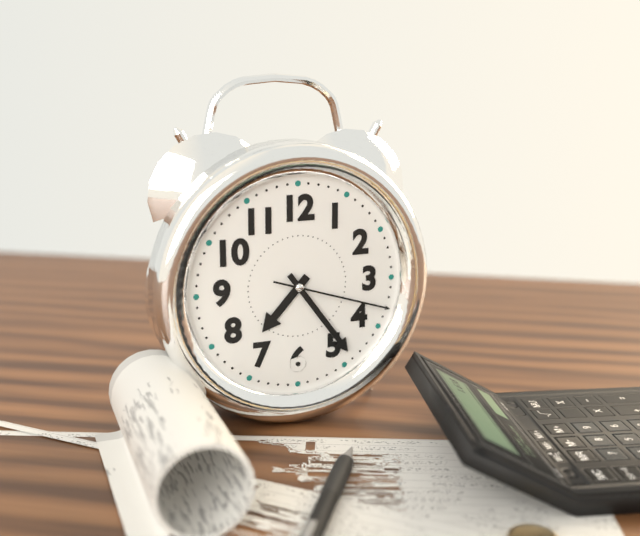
7:24:18
